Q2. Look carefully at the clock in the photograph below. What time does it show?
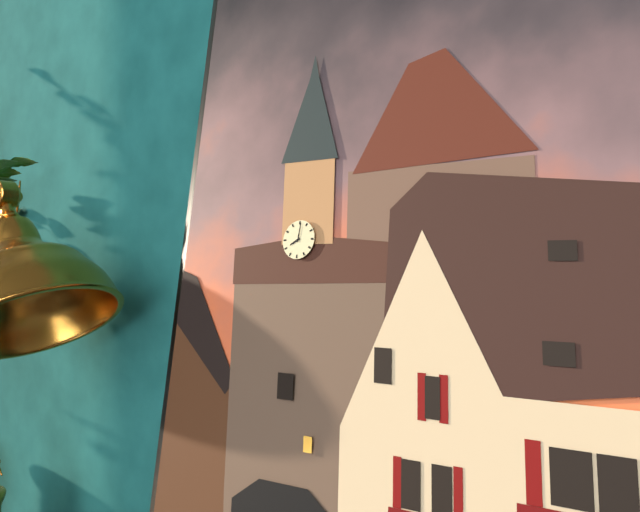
8:01
